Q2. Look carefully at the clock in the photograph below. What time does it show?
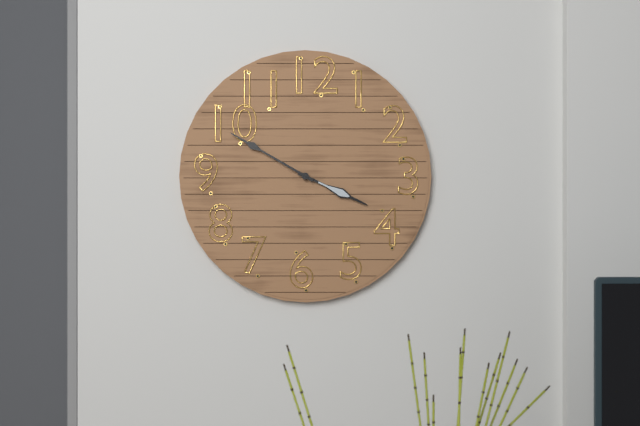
3:50
